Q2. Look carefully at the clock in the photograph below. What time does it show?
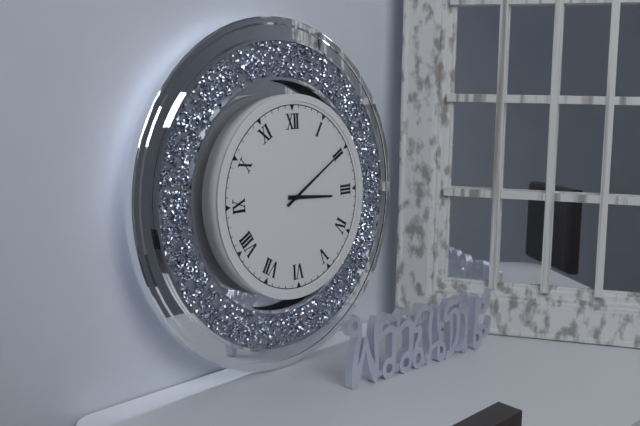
3:10
